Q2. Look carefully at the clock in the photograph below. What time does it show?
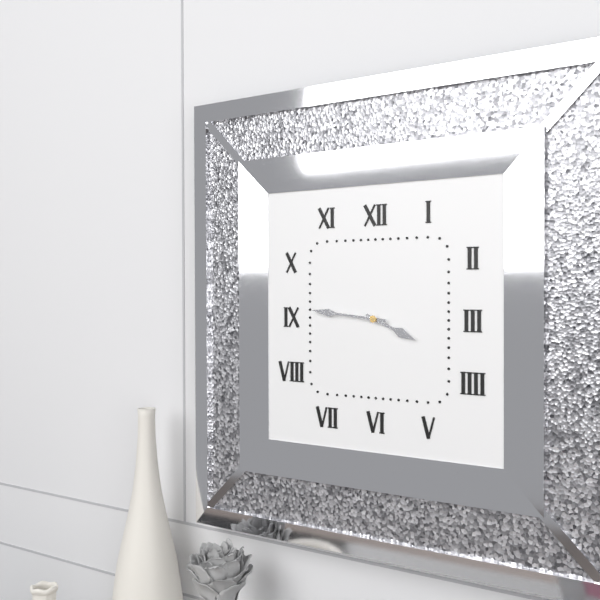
3:46
